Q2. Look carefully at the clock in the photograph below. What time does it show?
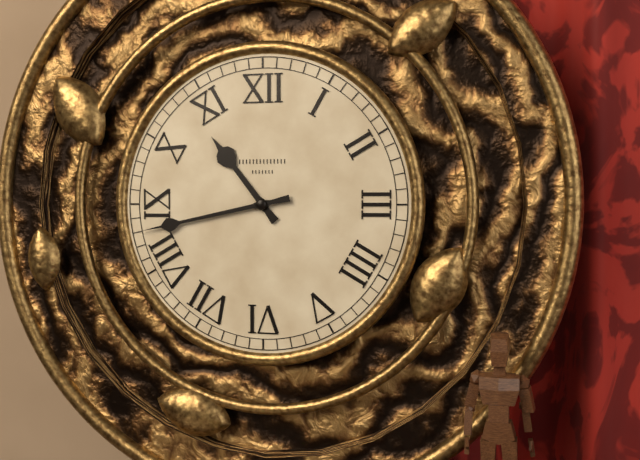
10:43
